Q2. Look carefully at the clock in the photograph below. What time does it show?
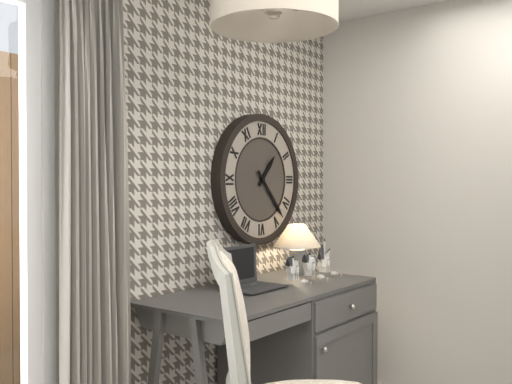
1:23
